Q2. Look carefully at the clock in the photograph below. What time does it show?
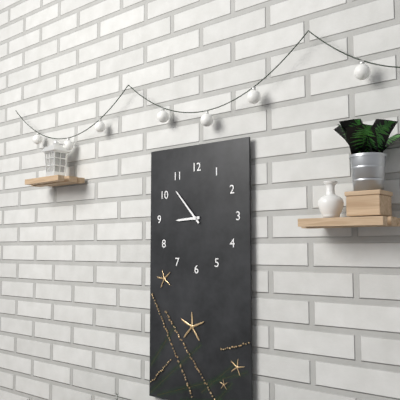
8:53
